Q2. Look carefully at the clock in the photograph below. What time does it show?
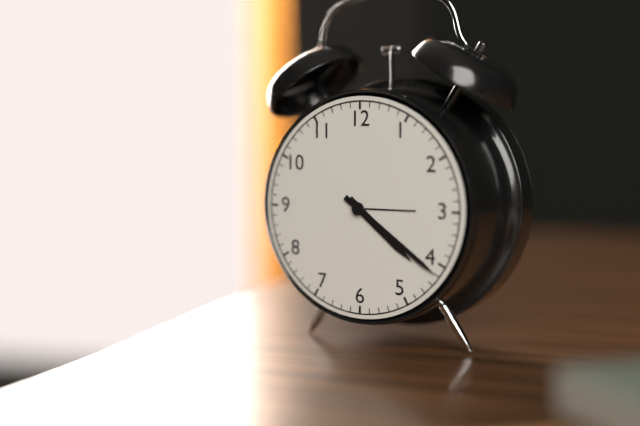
4:21
